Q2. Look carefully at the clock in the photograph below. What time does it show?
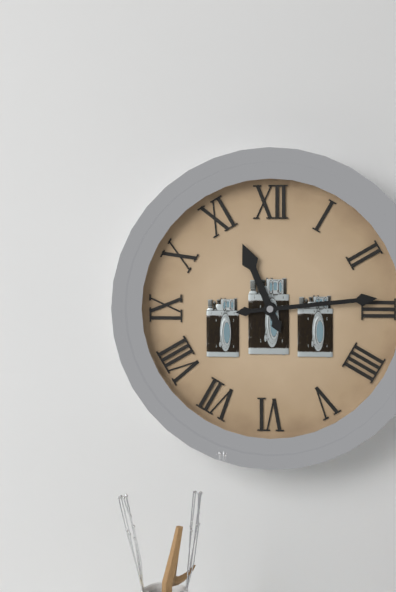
11:14
